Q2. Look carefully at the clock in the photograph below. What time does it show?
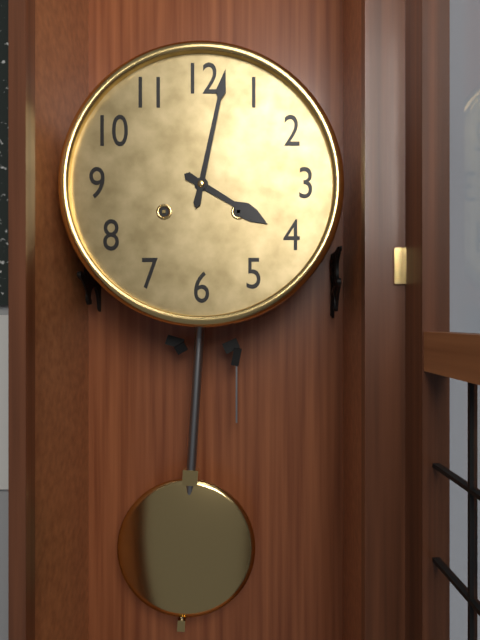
4:02
